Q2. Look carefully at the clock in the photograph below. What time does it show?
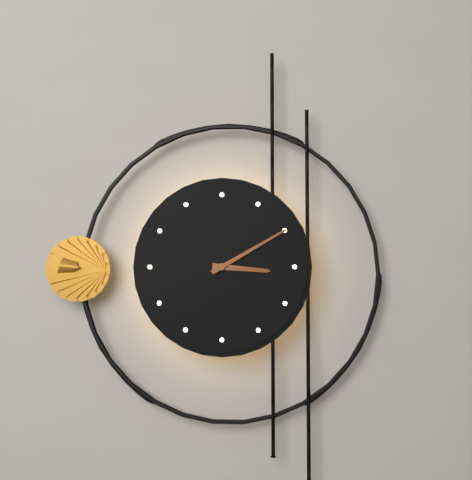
3:10
